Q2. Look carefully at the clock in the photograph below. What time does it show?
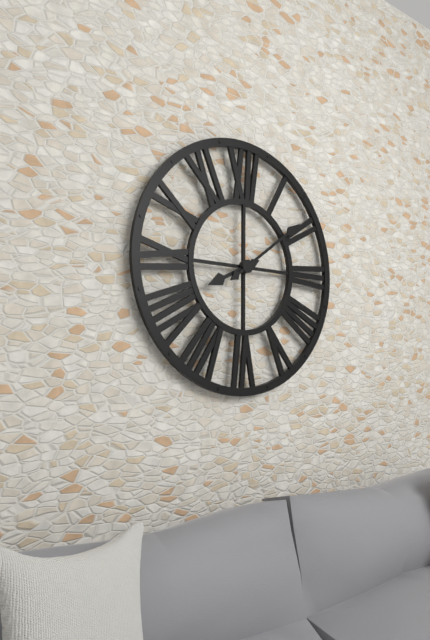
8:09
